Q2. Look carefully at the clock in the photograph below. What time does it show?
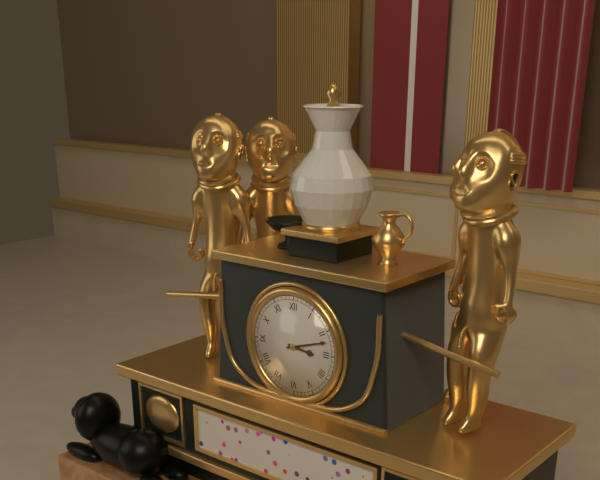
3:12
